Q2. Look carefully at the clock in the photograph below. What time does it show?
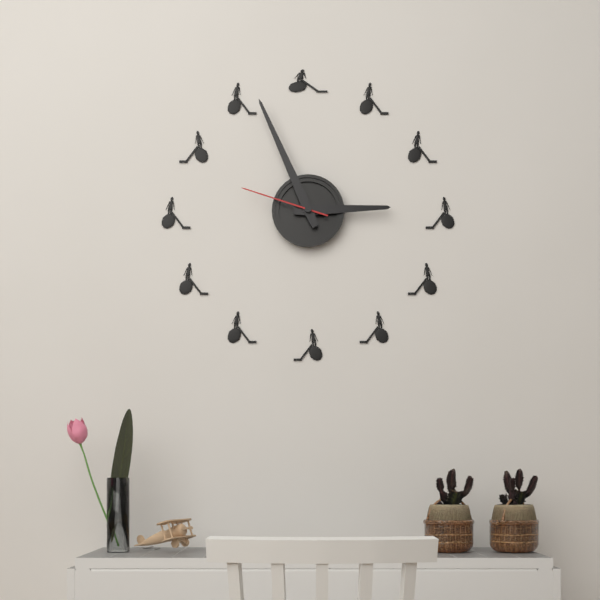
2:56:48
